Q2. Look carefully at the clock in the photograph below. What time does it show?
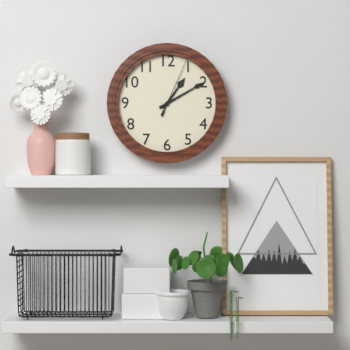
1:10:04
